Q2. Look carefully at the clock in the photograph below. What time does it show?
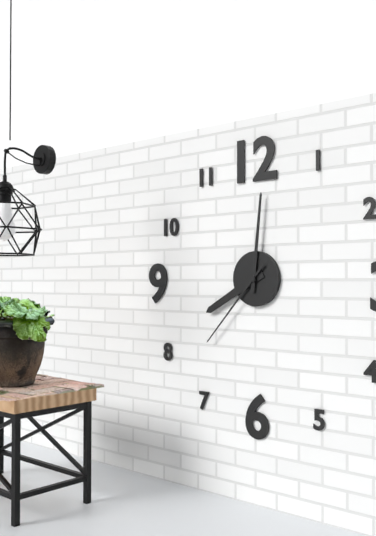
8:01:37
